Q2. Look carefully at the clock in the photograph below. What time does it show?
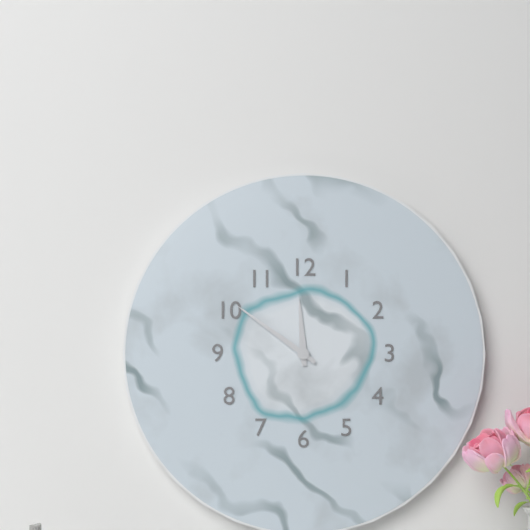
11:51
